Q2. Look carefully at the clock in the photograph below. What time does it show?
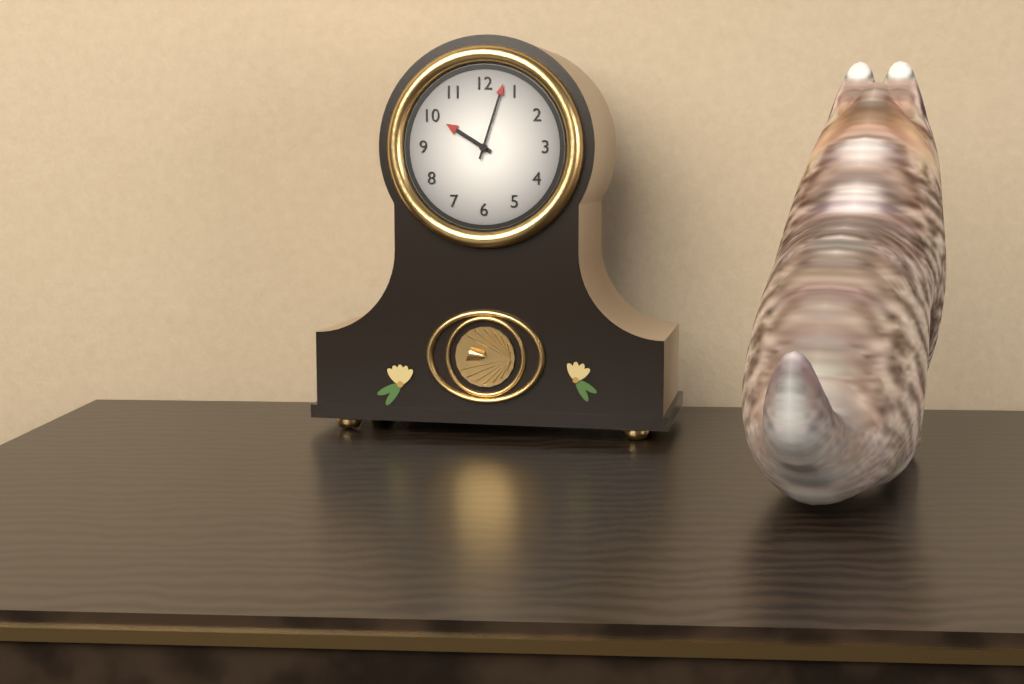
10:03
